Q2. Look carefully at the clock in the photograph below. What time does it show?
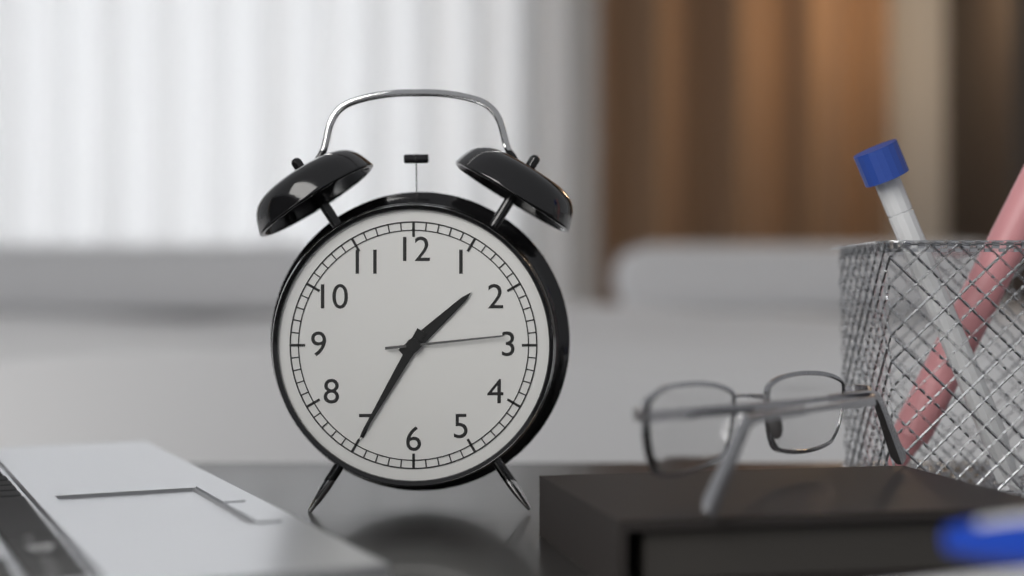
1:35:14
